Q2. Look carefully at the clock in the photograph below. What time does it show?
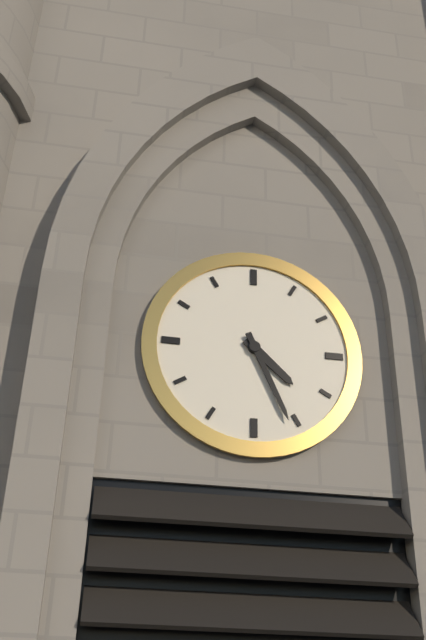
4:26
